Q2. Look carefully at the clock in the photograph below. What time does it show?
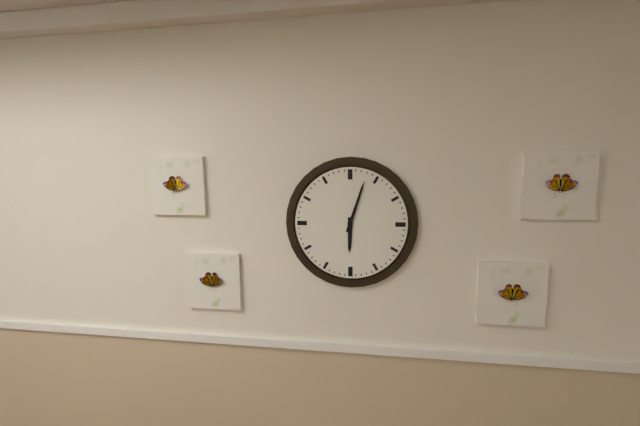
6:03
